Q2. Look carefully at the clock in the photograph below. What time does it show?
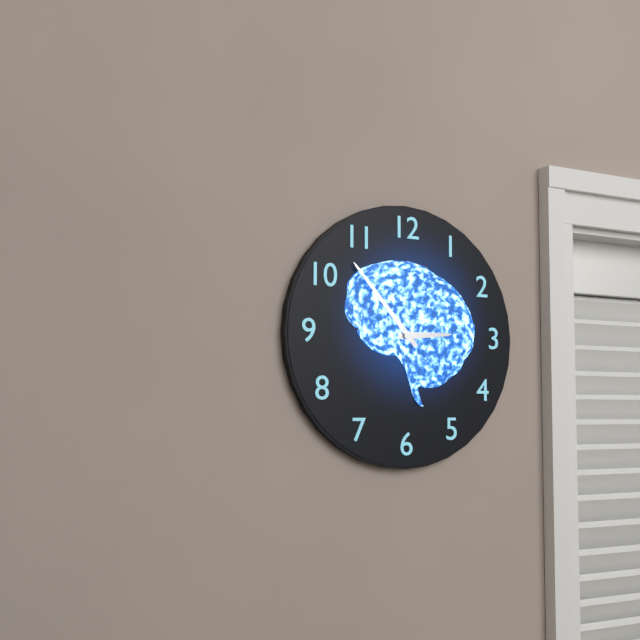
2:53
